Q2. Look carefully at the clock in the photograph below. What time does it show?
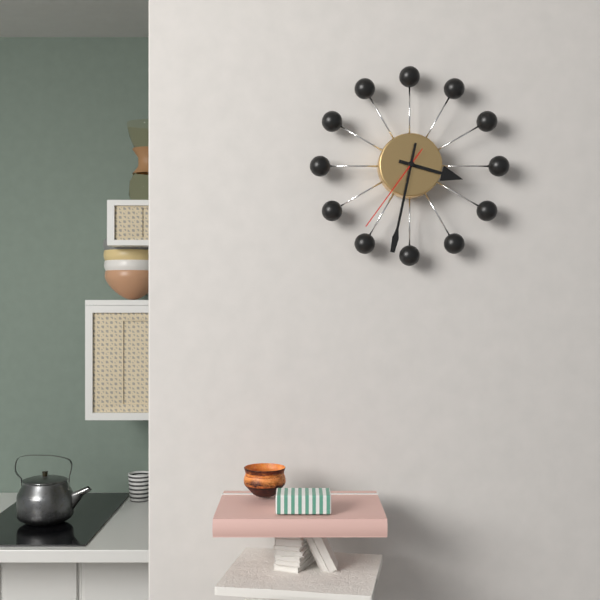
3:32:36
